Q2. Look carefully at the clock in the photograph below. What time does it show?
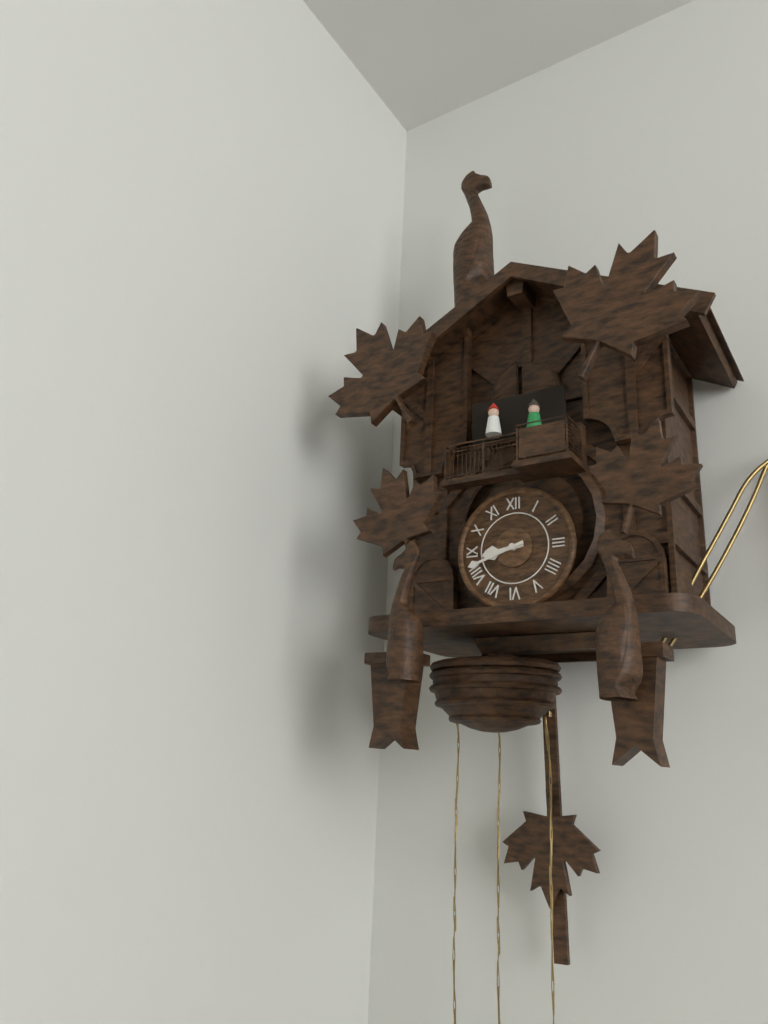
8:42
